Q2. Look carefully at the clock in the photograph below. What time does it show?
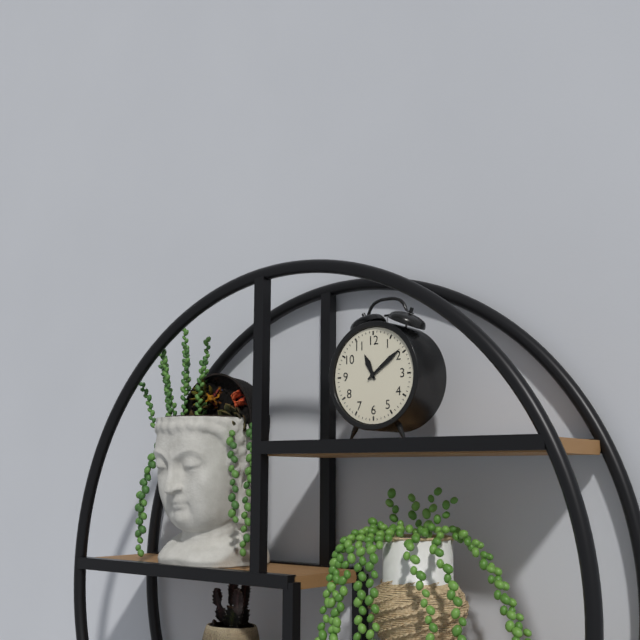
11:09
